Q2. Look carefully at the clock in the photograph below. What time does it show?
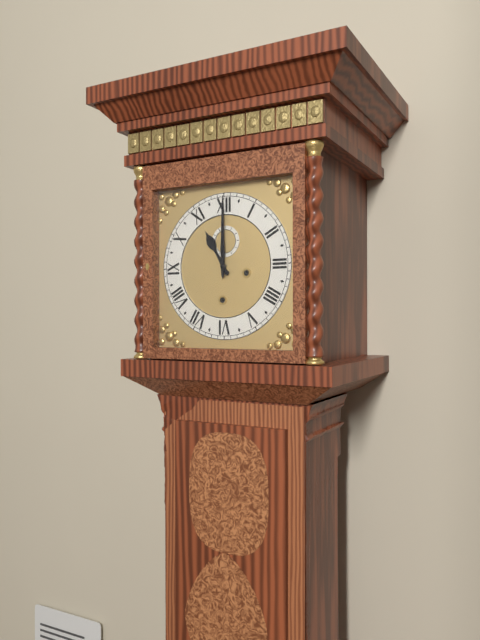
11:00
